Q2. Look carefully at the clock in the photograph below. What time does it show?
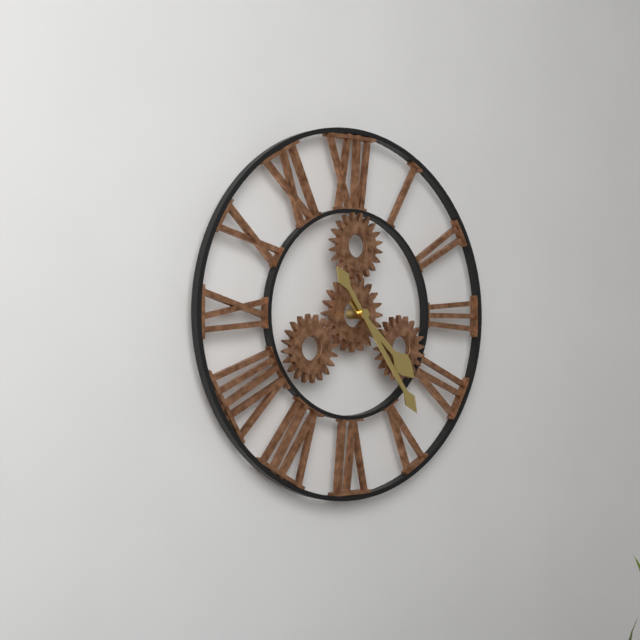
4:24
